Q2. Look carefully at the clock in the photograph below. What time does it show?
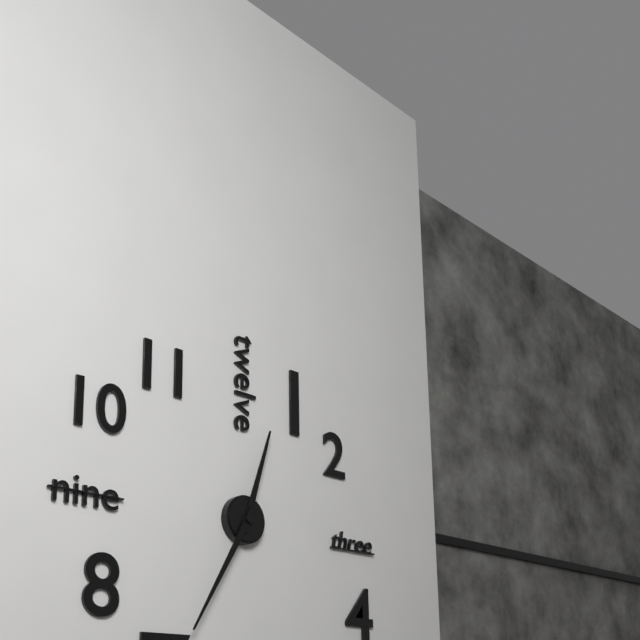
12:35
